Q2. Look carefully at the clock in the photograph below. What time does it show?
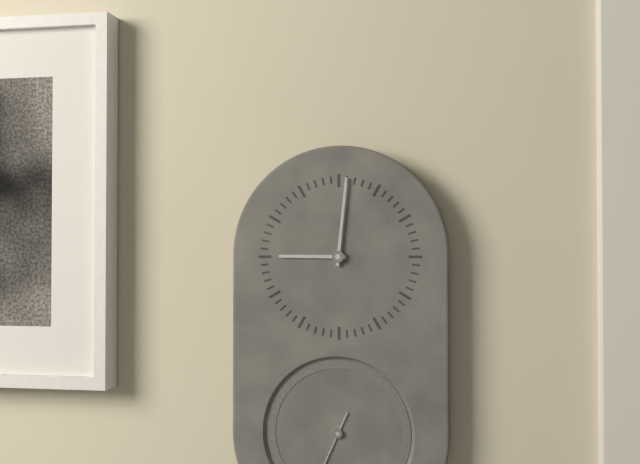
9:01
